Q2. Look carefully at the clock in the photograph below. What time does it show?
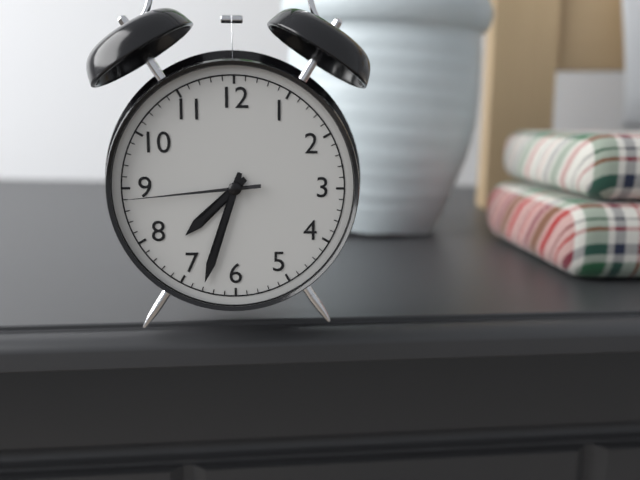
7:33:44
